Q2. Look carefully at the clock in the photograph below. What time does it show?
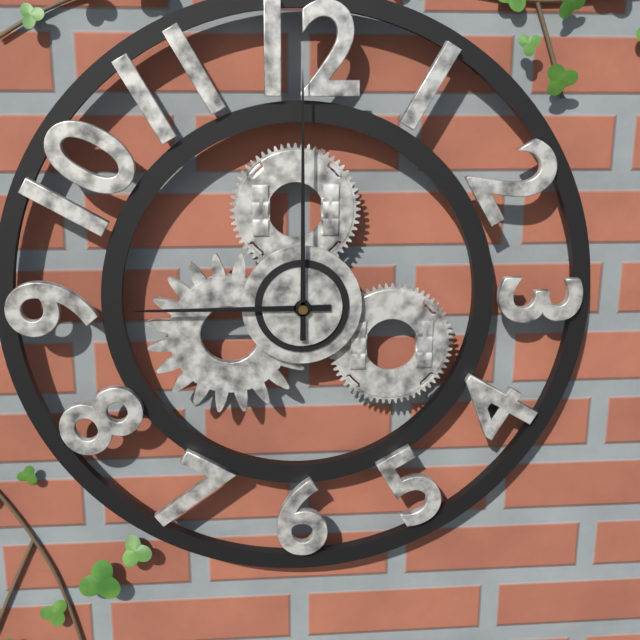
9:00
